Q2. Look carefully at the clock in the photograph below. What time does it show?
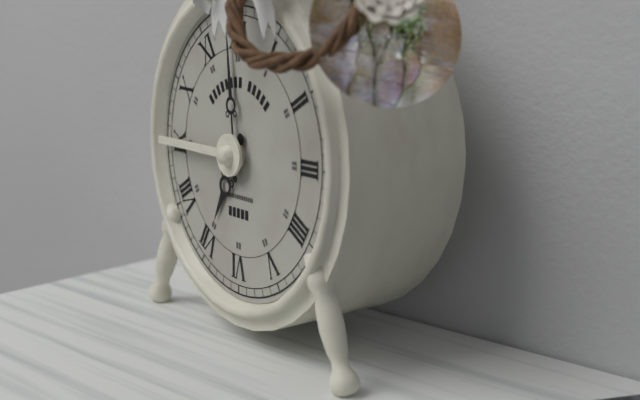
6:59
